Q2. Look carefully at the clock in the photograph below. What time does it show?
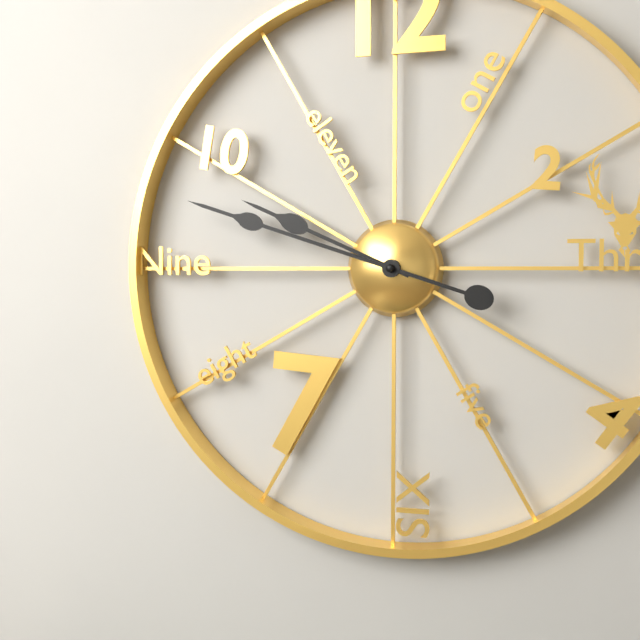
9:48
